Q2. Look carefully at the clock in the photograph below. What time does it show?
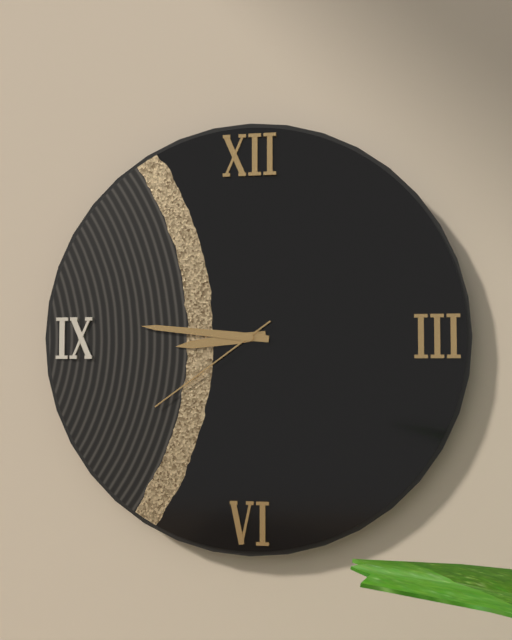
8:46:39
